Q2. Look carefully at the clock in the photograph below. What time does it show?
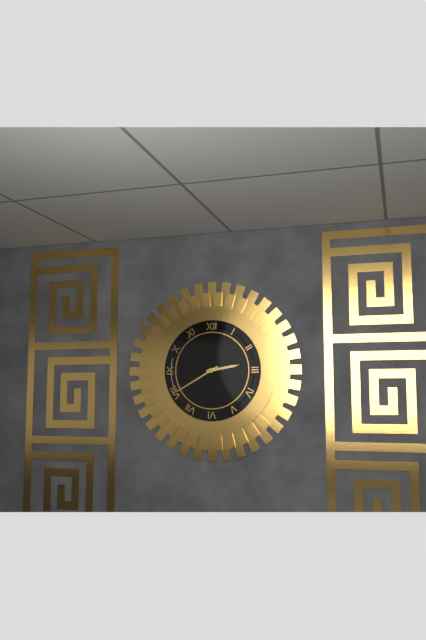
2:40
